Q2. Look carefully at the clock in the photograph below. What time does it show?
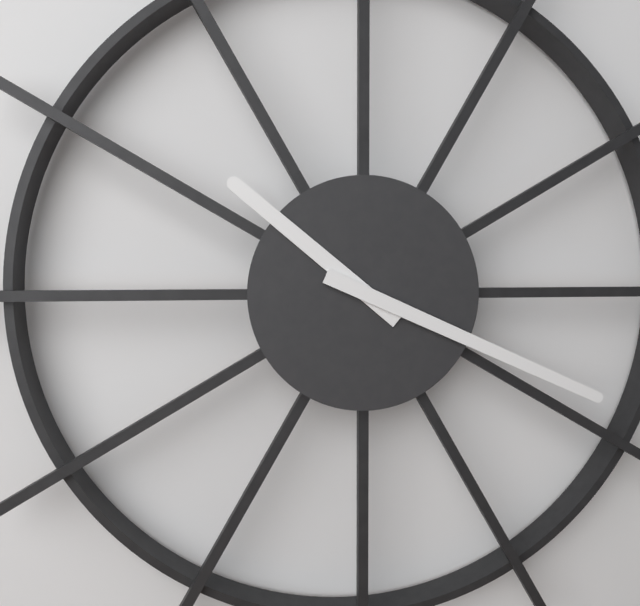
10:19
